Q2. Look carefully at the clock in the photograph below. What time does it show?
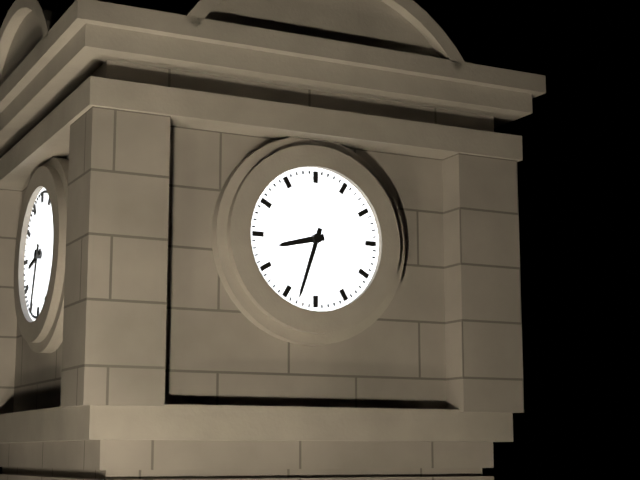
8:33
